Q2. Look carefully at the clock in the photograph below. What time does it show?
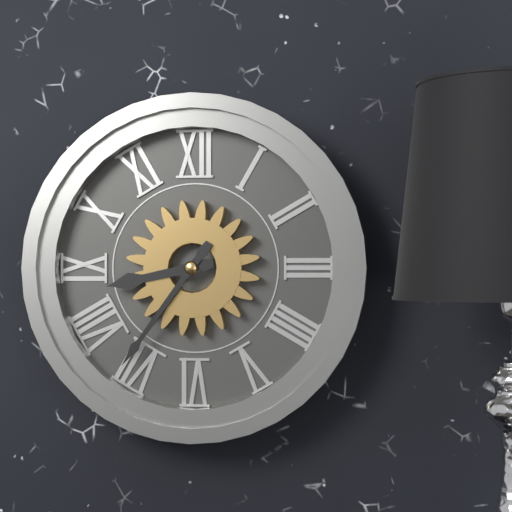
8:36
